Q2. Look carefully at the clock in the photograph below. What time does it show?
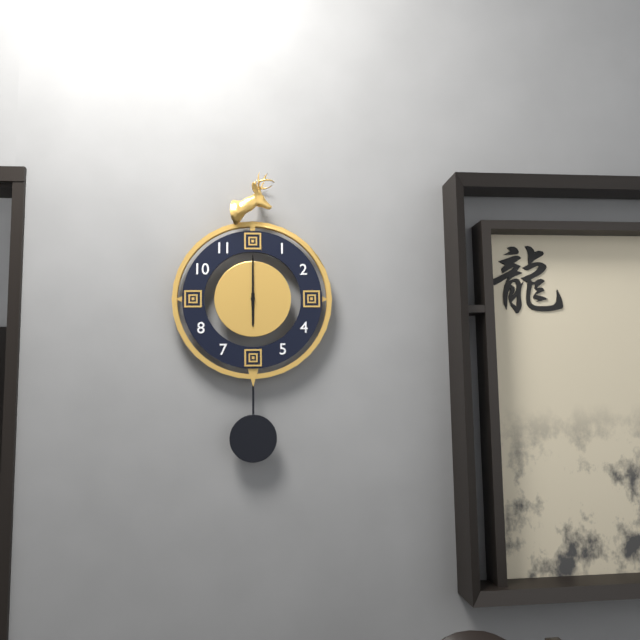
6:00
